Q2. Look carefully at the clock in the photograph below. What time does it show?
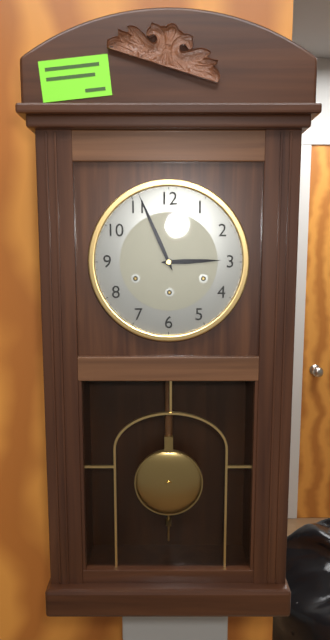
2:56
